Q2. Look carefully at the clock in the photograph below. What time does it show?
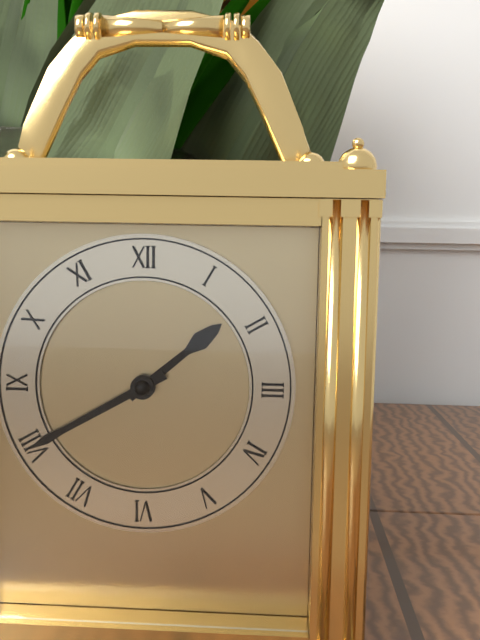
1:40
